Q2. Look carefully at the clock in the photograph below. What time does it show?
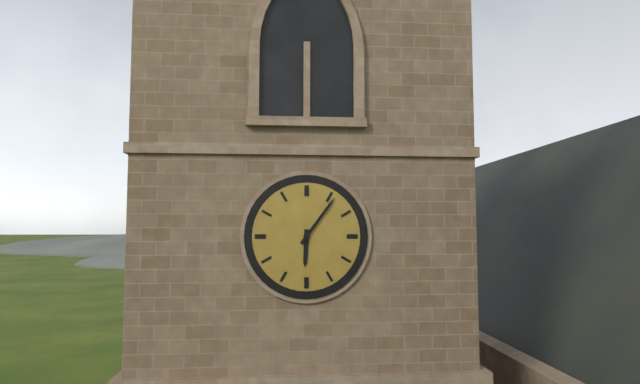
6:06
